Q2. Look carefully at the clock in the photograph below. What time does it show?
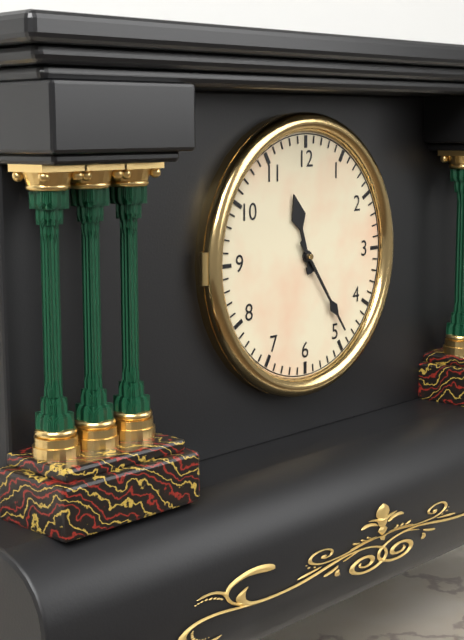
11:24
